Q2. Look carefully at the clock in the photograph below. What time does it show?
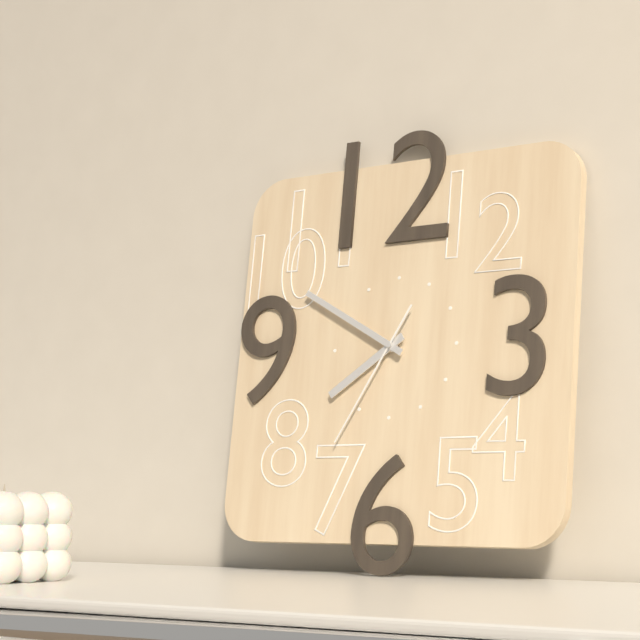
7:50:35
